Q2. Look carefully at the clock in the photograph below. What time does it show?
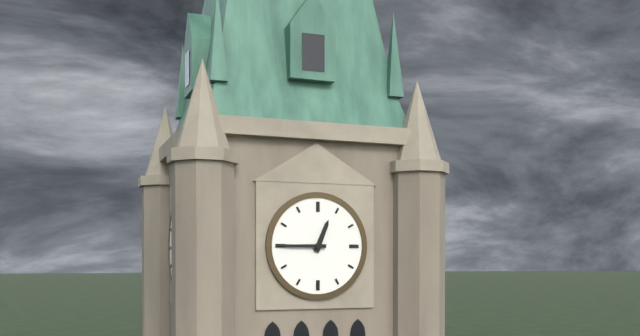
12:45
